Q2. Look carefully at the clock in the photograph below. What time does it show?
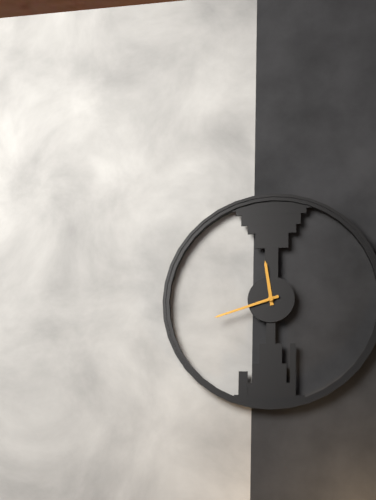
11:42
